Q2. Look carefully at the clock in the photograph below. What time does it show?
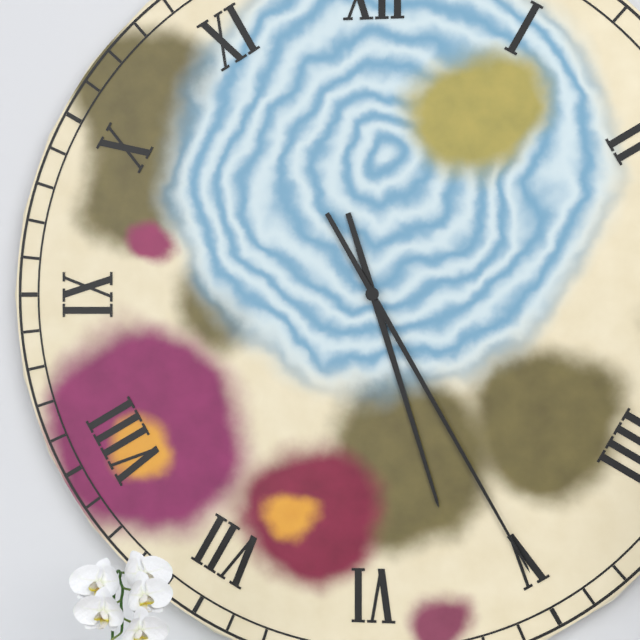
5:25
